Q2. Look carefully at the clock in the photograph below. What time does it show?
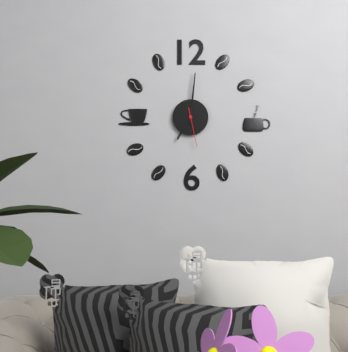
7:01
